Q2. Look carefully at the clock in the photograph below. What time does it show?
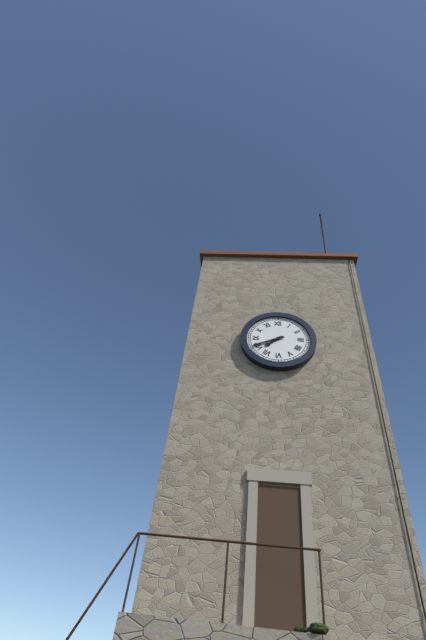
7:41
